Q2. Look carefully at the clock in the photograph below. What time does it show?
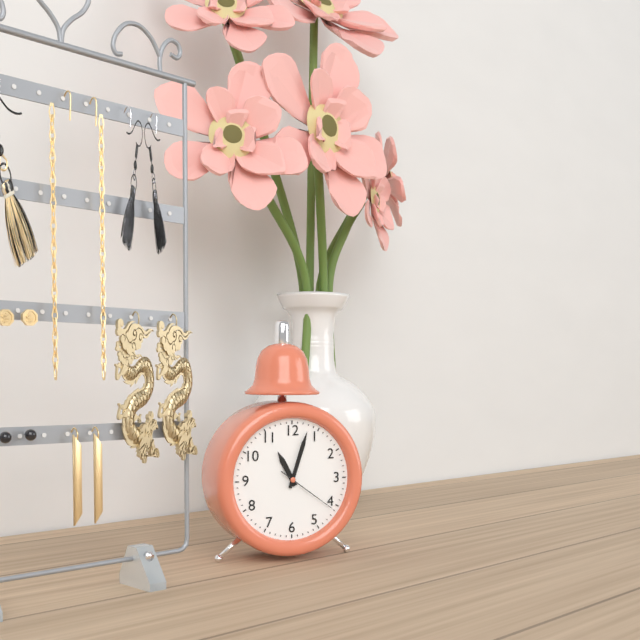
11:03:21
